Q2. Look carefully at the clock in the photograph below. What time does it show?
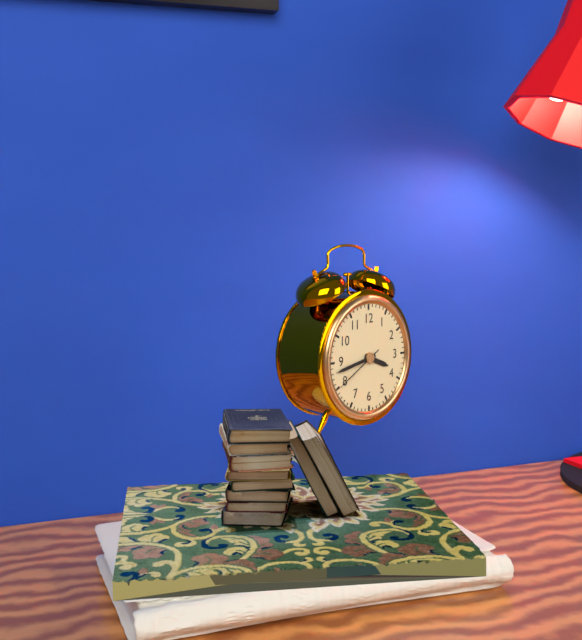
3:43:40
